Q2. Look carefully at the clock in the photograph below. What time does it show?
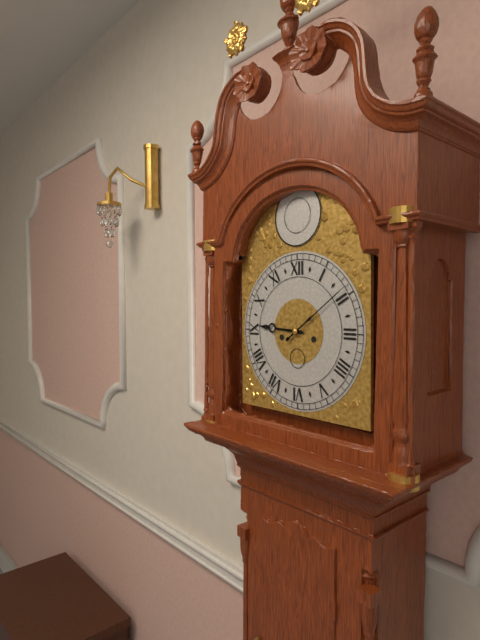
9:09
